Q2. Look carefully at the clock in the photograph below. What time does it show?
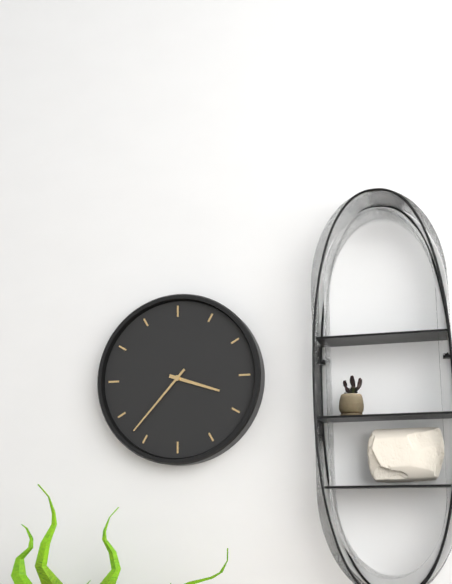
3:37
